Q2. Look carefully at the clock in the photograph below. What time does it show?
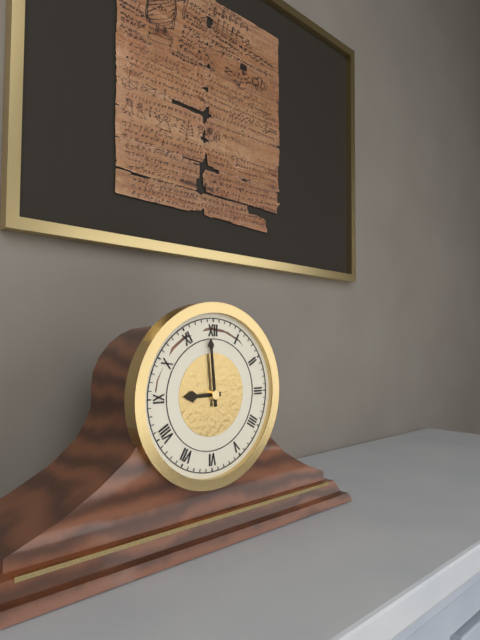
8:59
